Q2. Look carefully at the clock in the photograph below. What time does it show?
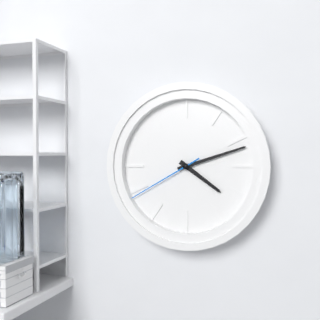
4:12:40
